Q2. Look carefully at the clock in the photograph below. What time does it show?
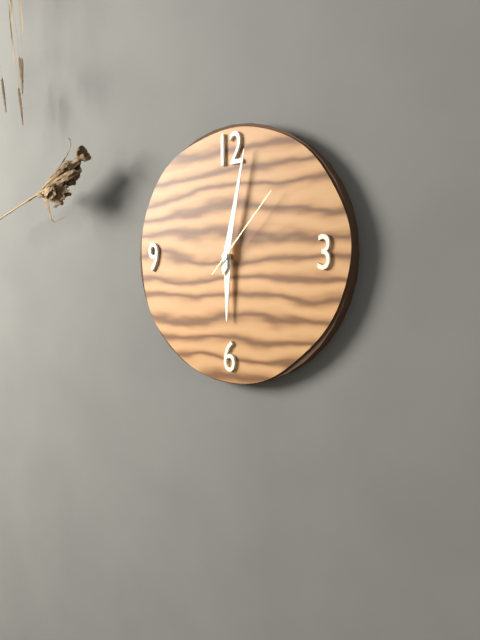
6:02:07
